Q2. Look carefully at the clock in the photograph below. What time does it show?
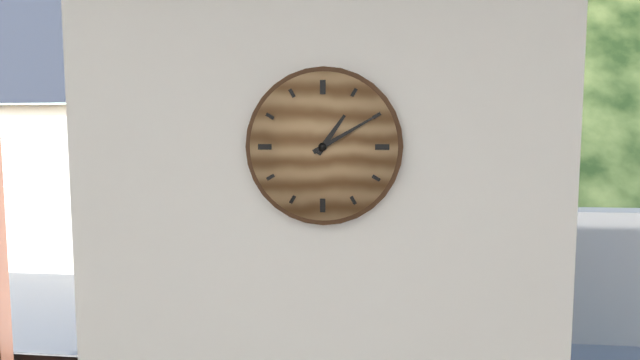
1:10
